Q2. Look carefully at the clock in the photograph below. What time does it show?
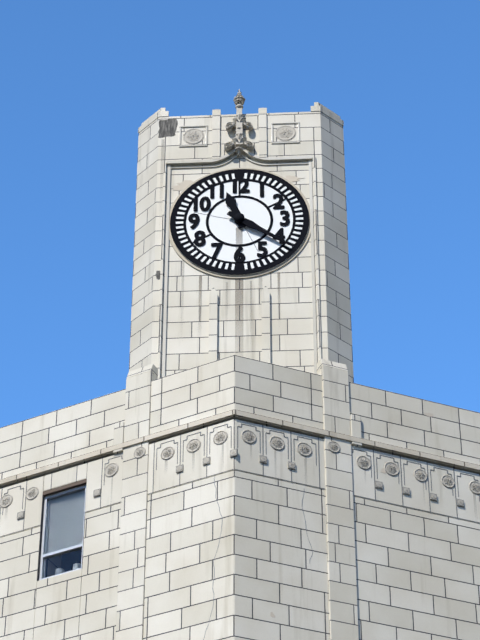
11:21
